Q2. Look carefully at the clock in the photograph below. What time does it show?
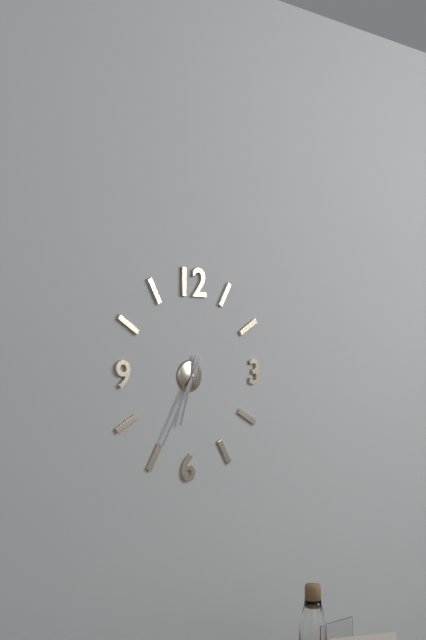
6:35
